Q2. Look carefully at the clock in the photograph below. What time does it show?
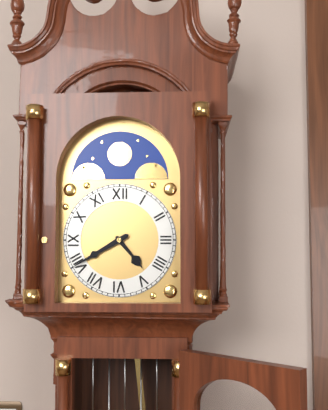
4:40
